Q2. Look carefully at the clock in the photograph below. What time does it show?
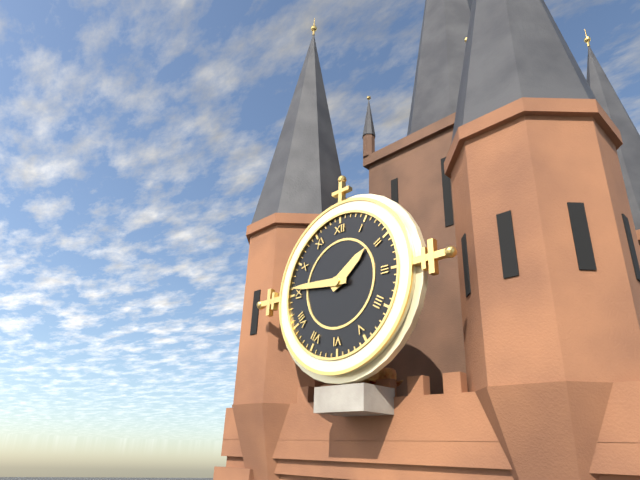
1:46
